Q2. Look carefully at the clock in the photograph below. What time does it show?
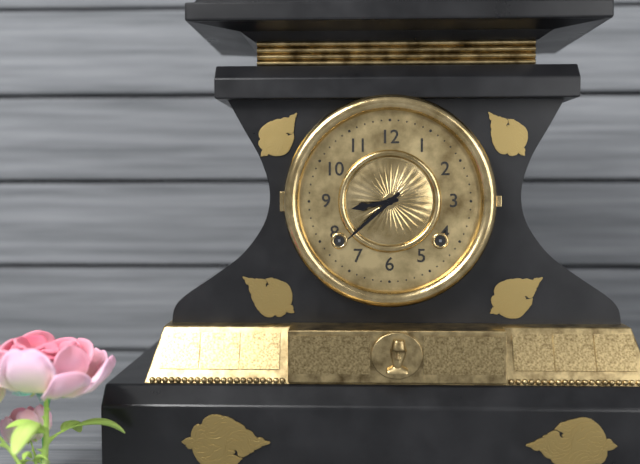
8:38
